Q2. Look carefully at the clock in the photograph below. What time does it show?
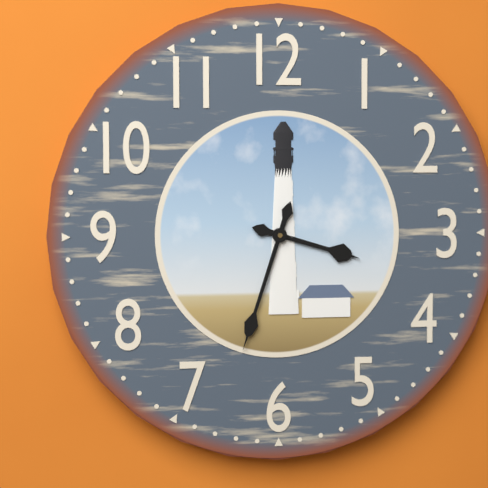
3:33
